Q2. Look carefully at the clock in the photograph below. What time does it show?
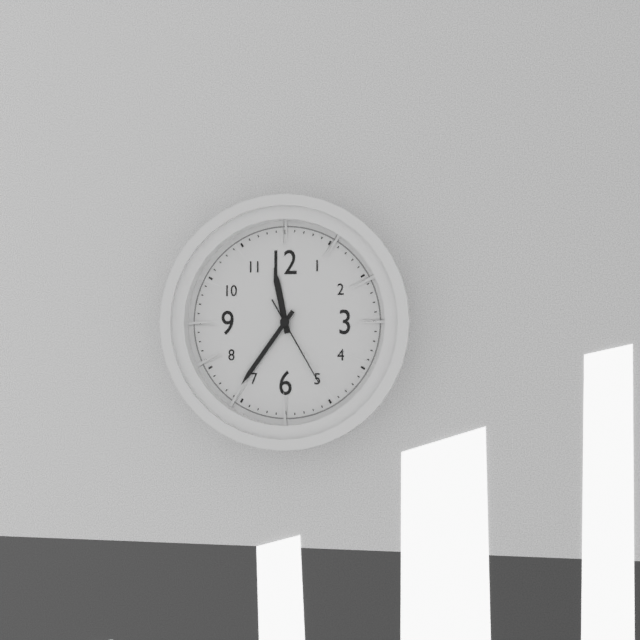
11:36:25
